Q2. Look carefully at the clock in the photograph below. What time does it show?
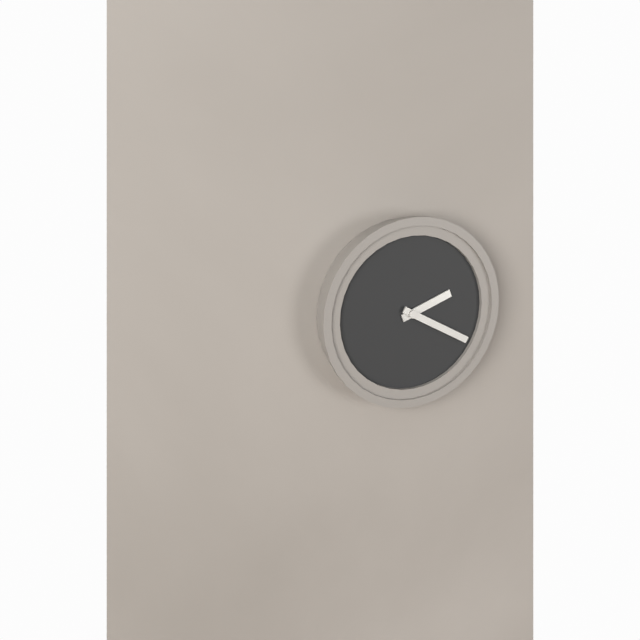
2:20
